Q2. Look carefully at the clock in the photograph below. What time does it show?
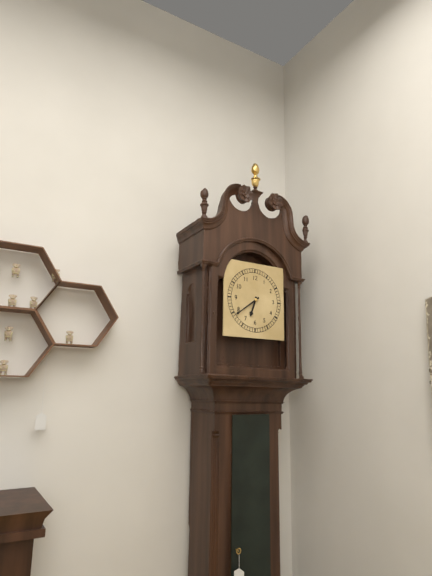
6:39
